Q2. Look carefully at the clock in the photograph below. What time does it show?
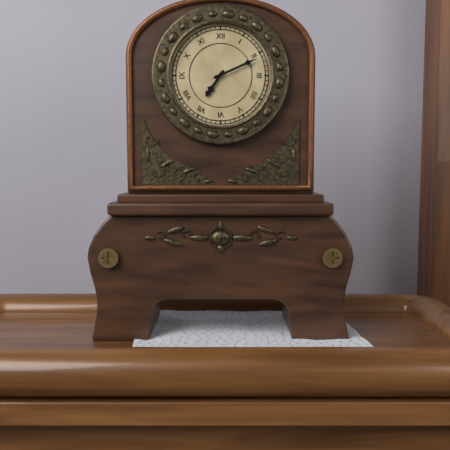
7:11
